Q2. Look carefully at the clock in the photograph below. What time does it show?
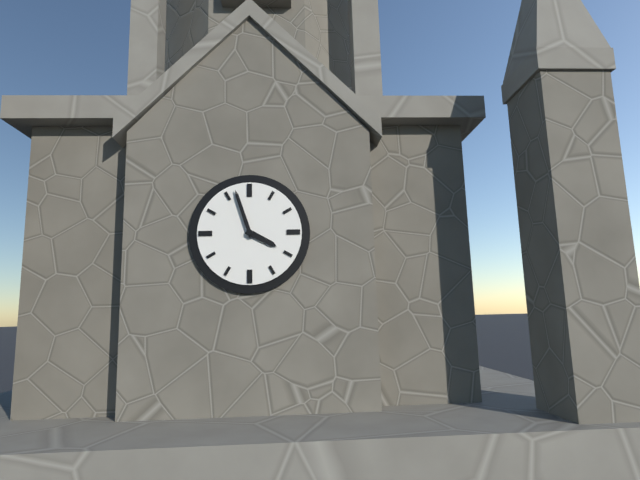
3:57
